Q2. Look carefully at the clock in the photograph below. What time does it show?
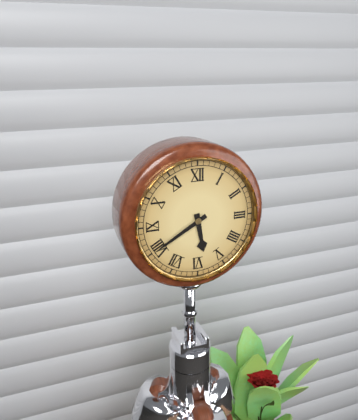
5:40
